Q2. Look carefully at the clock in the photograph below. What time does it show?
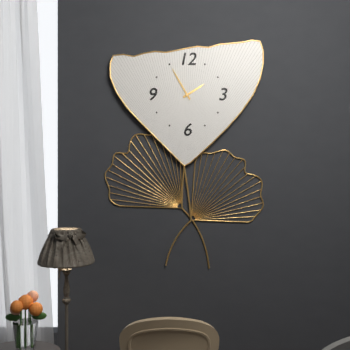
1:55
